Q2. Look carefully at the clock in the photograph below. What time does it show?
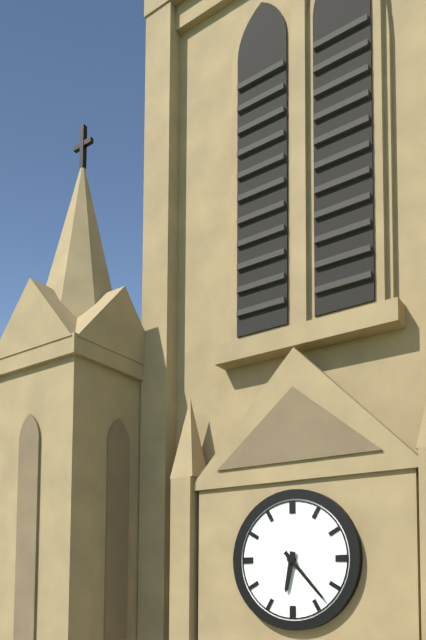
6:23
